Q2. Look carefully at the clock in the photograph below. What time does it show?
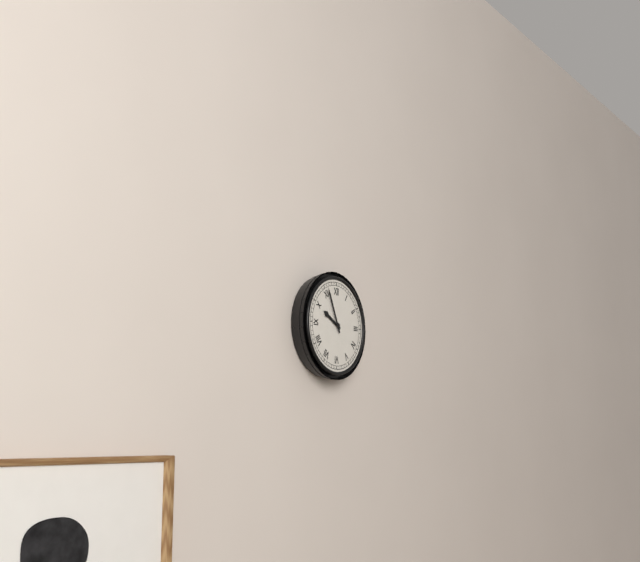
9:56
